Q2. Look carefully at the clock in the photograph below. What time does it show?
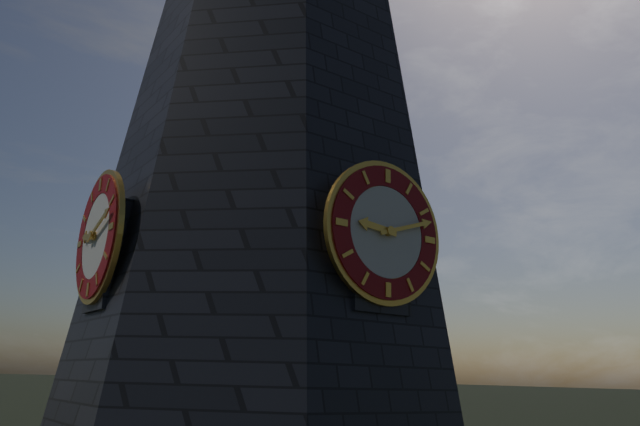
9:12
